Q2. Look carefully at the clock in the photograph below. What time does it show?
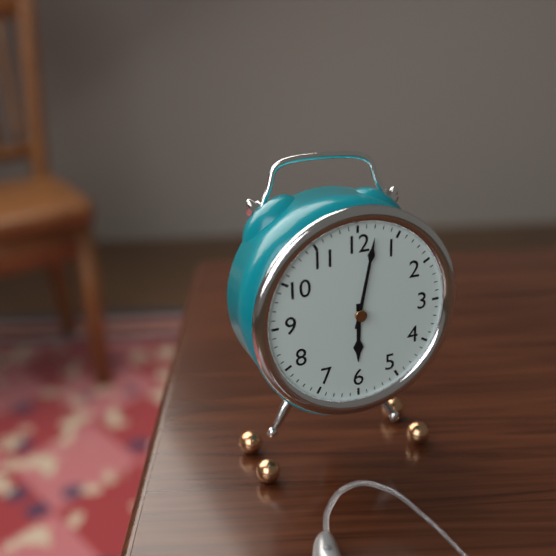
6:02
